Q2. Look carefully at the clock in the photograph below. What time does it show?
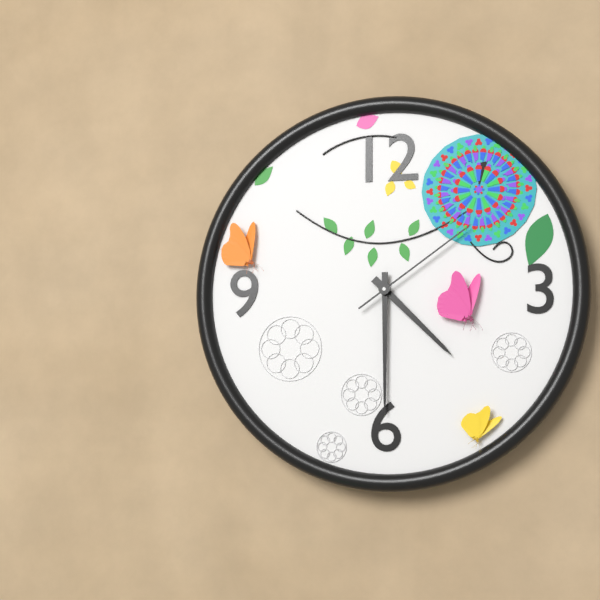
4:30:09
